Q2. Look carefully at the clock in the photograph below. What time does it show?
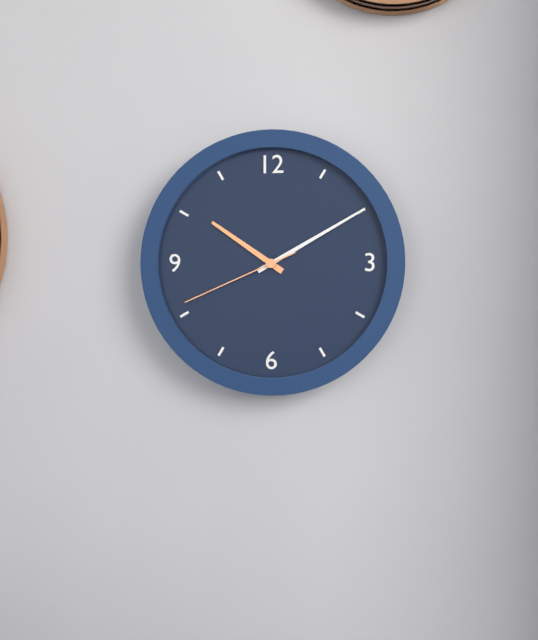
10:10:41
